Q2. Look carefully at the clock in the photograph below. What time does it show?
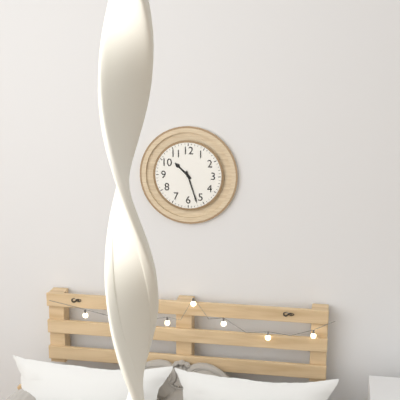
10:27
